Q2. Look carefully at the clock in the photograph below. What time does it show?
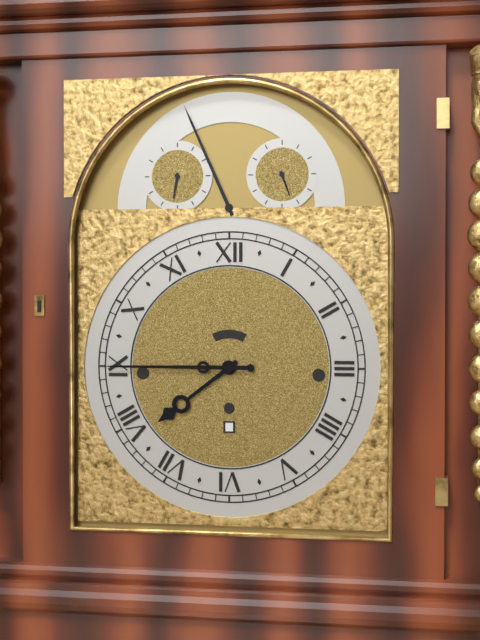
7:45
